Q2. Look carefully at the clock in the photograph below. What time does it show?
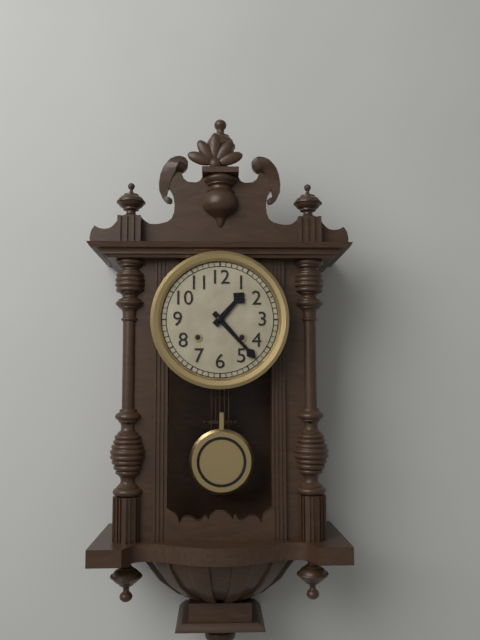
1:23
